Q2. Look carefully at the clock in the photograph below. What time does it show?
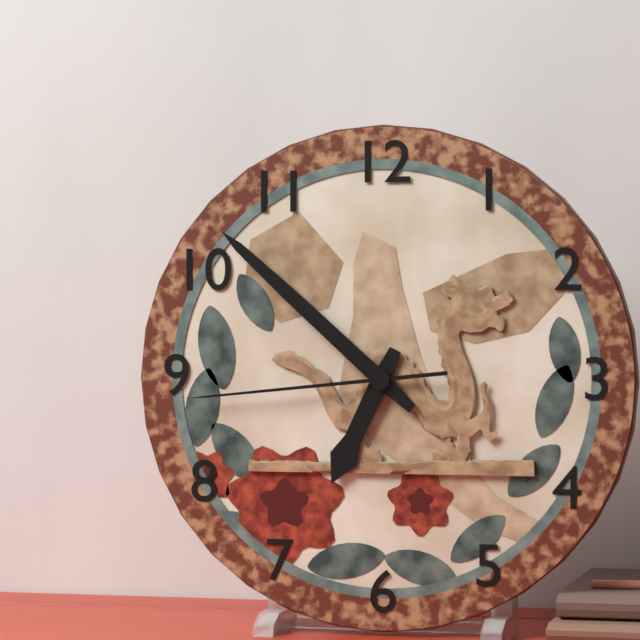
6:52:44
